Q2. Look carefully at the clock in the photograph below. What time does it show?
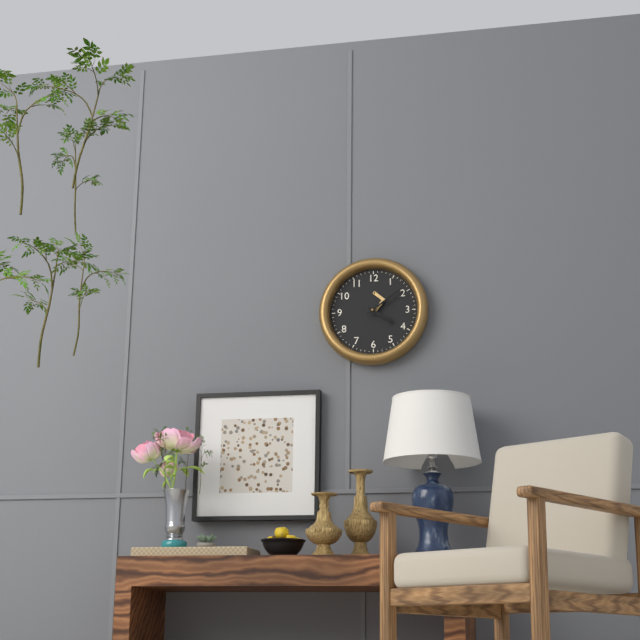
4:09
